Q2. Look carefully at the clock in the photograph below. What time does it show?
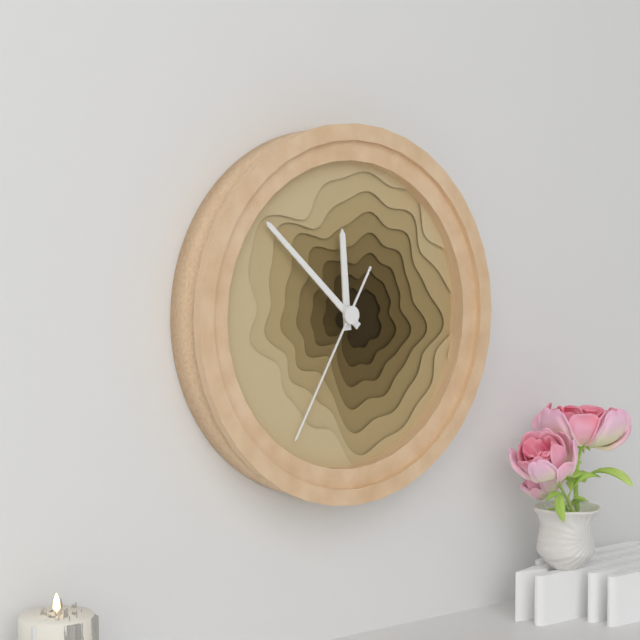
11:52:35
